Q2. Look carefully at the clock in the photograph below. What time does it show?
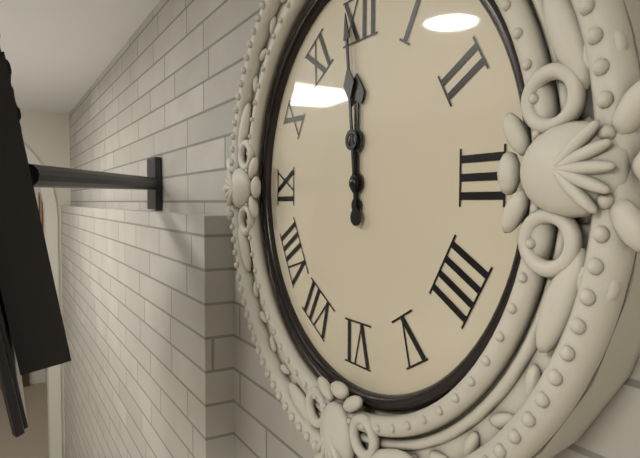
11:59
